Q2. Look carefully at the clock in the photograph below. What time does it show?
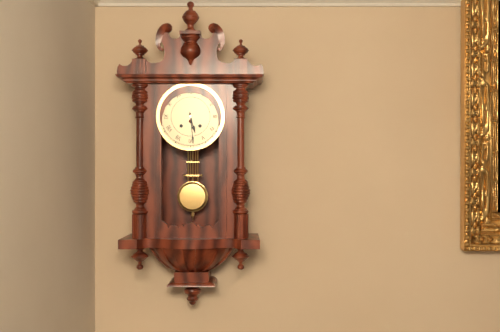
5:29
